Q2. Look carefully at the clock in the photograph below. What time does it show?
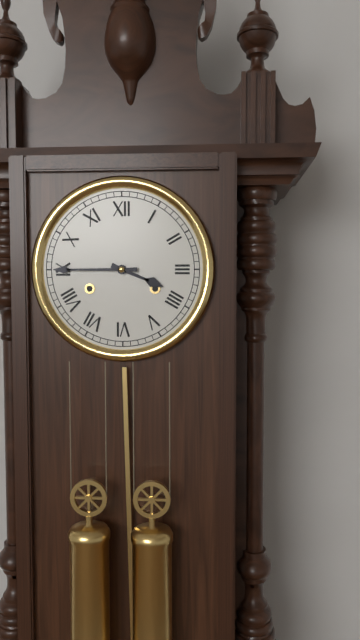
3:45
